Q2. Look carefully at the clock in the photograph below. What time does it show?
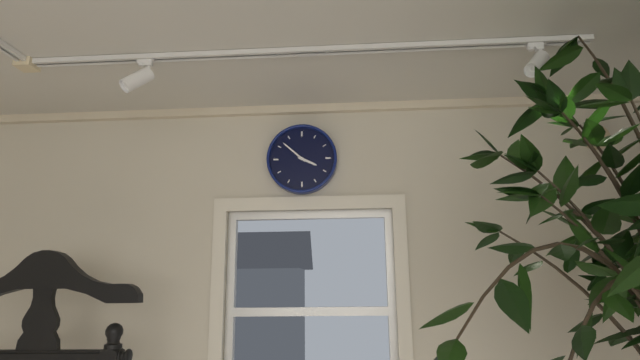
3:52
